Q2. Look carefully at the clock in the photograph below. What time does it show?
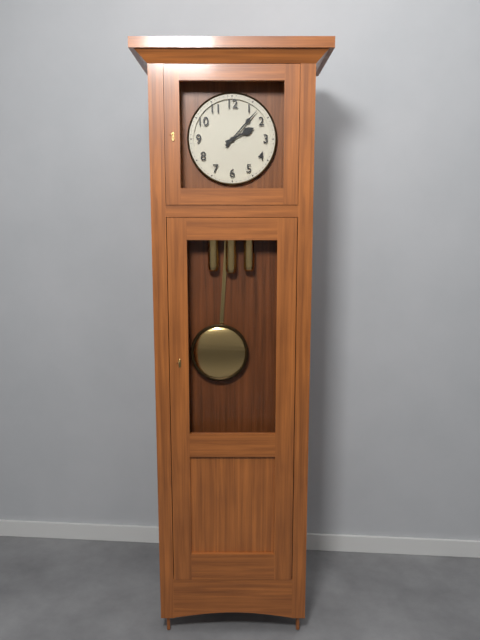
2:07
